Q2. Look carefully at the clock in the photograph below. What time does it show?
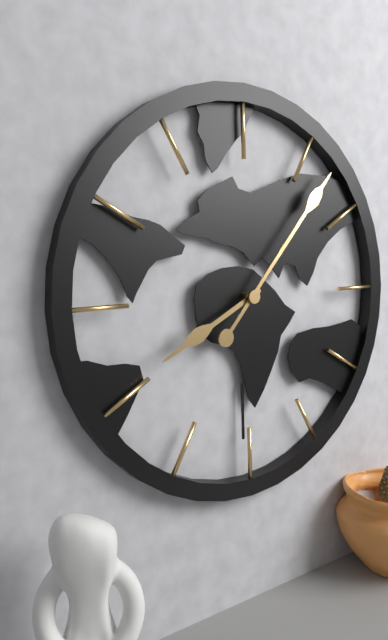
8:07
